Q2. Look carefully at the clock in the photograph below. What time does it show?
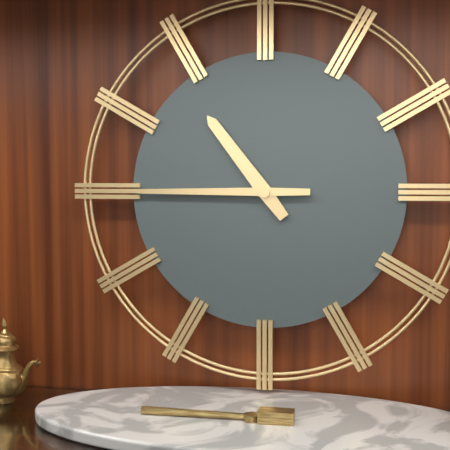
10:45
